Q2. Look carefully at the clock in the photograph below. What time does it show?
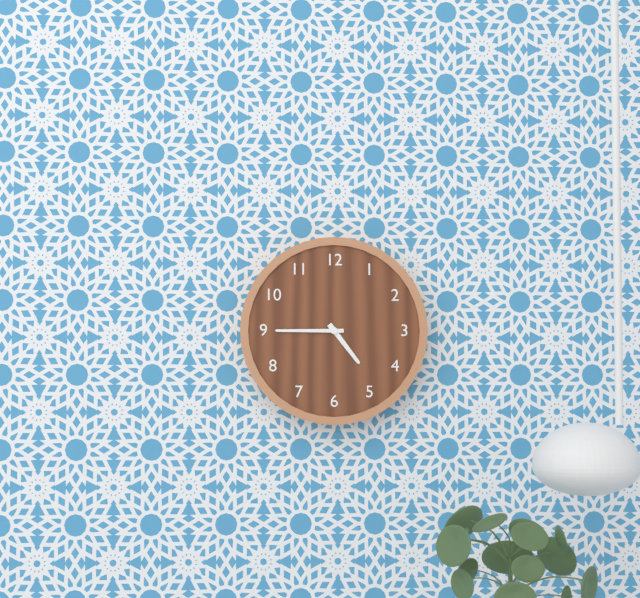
4:45
